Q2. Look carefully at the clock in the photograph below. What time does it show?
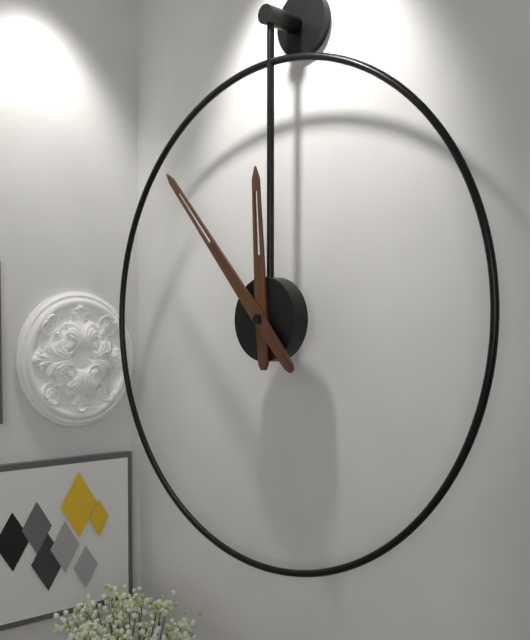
11:53
